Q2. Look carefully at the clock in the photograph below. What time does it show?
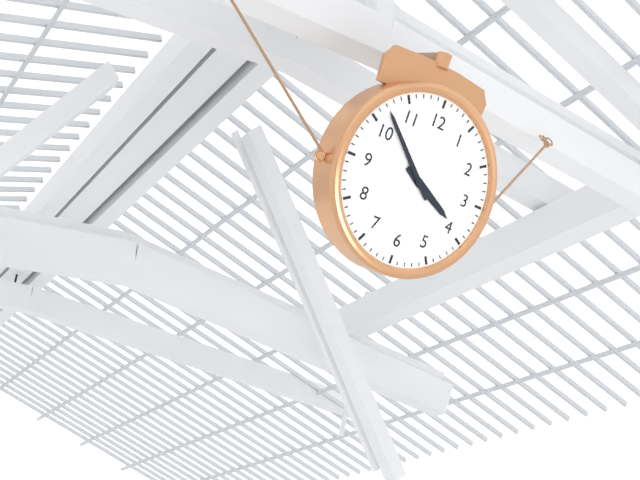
3:52
